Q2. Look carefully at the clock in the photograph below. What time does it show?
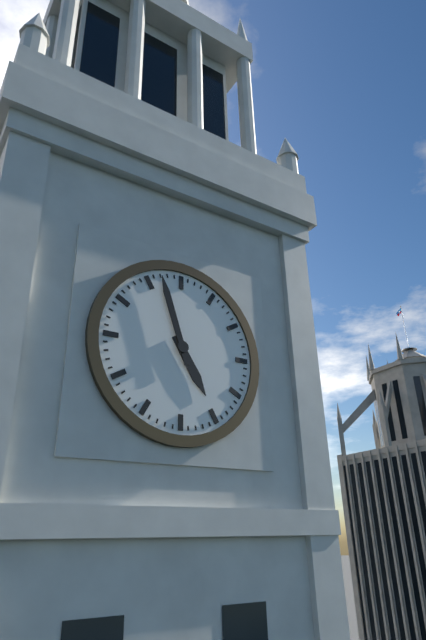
4:57
